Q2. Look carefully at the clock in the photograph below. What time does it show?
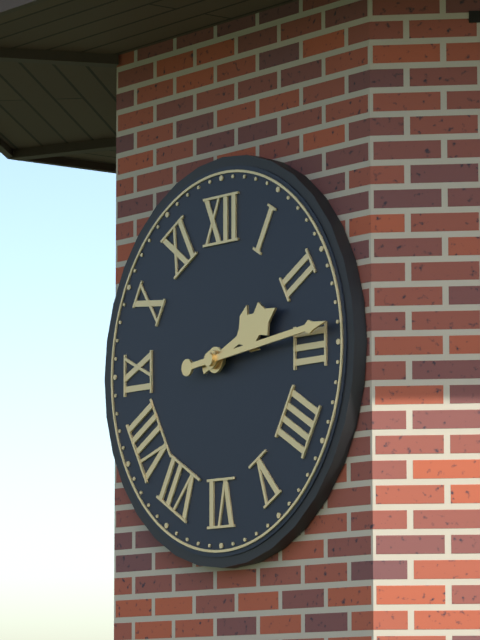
2:14
